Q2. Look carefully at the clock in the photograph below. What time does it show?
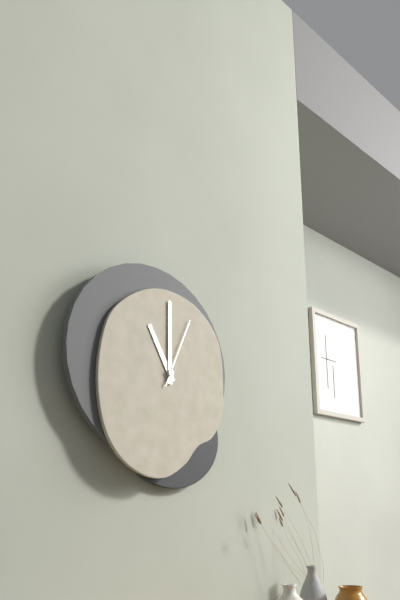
11:00:04
